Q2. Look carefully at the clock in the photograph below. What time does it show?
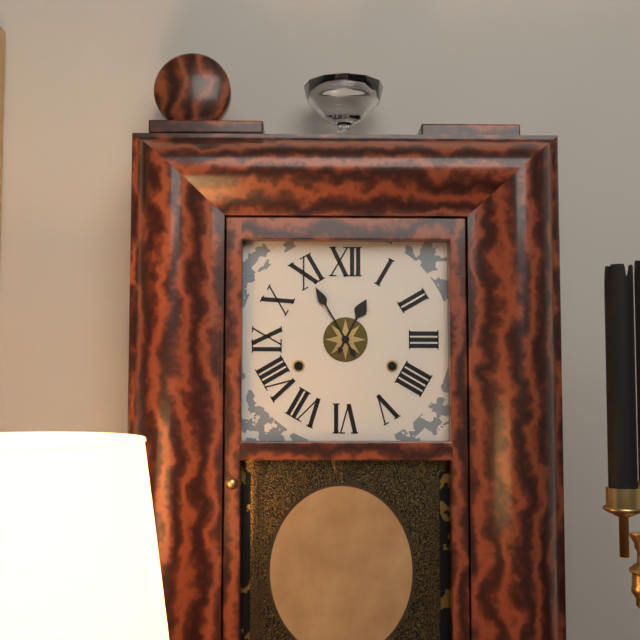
12:55
